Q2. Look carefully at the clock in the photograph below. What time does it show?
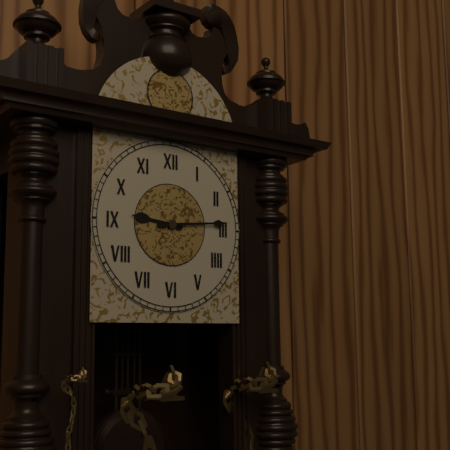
9:14
